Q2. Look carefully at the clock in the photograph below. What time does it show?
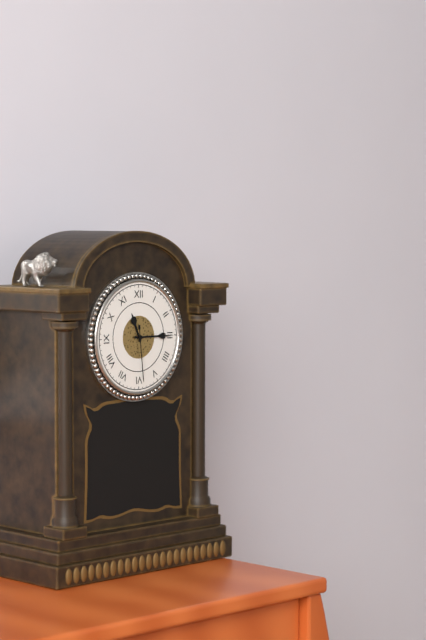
11:15:29
